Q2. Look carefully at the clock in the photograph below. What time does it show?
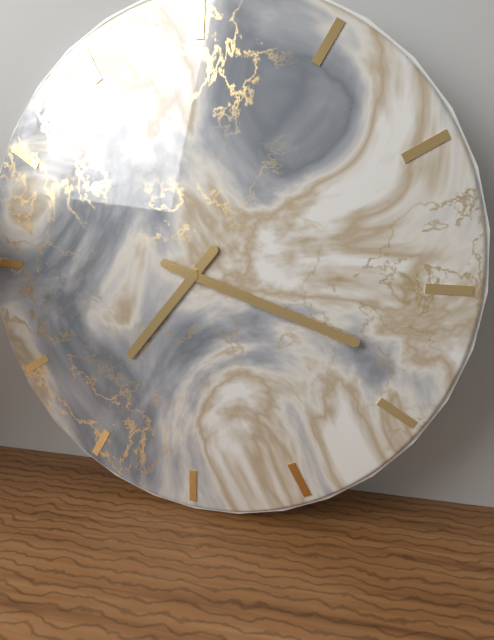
7:18
